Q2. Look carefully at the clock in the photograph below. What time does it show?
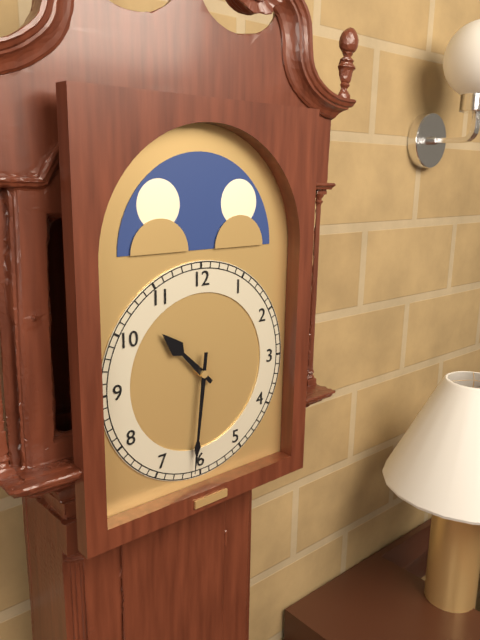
10:31
